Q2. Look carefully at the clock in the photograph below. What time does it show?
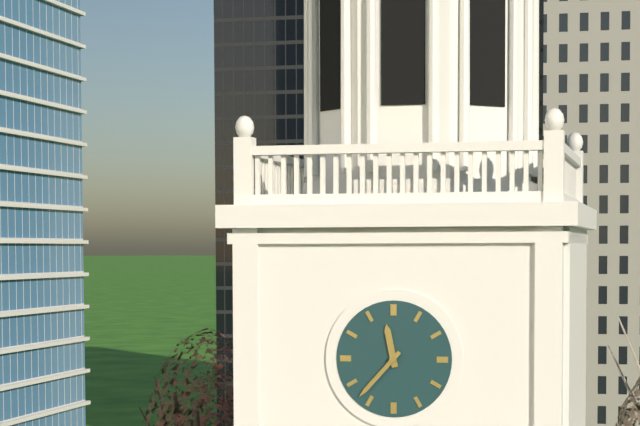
11:37
